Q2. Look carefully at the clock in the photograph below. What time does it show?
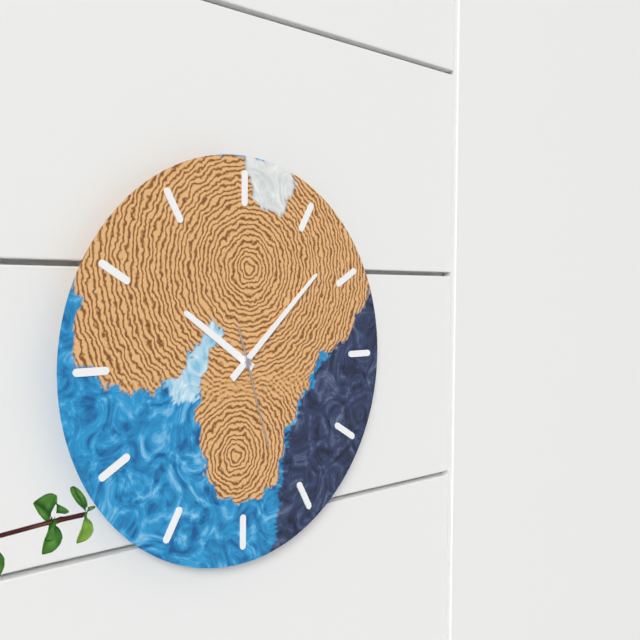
10:08:27
